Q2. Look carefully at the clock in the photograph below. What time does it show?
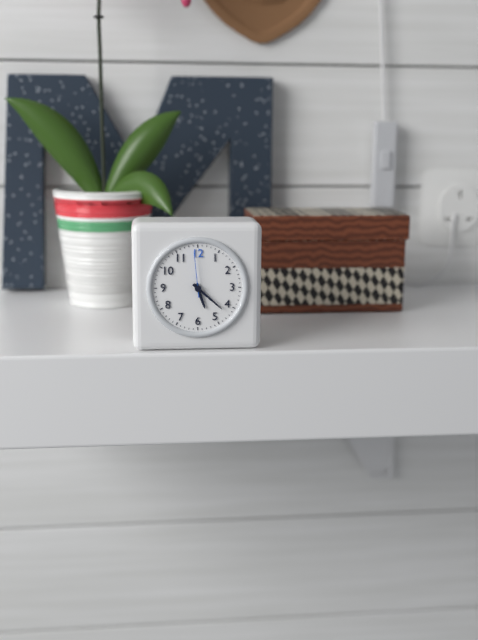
5:22
